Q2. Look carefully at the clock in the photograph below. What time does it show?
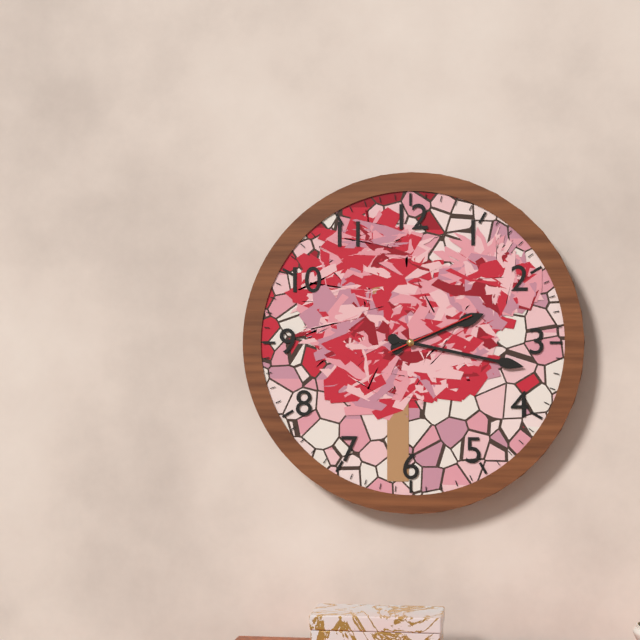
2:17:11
